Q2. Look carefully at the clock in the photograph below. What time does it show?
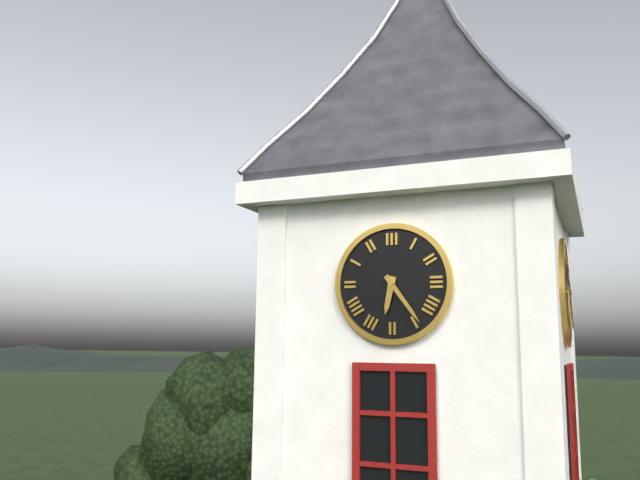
6:24
